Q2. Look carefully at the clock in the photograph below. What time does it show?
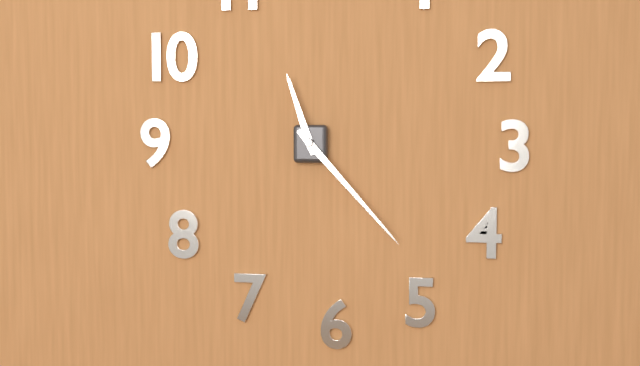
11:23
